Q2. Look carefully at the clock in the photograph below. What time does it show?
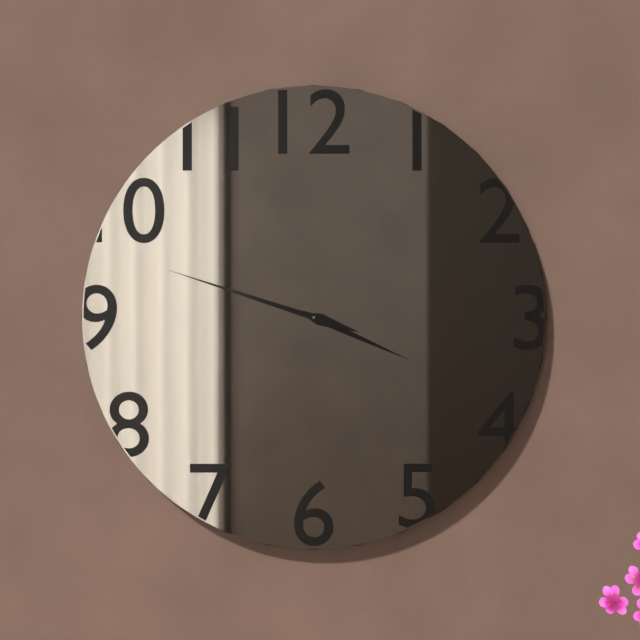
3:48
